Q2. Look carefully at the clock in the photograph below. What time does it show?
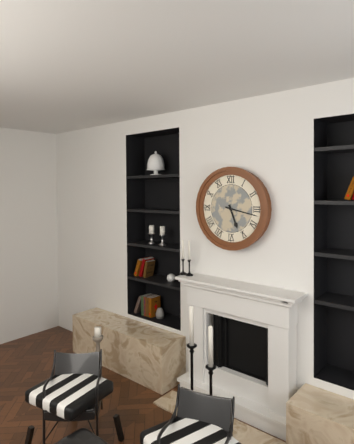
5:17
